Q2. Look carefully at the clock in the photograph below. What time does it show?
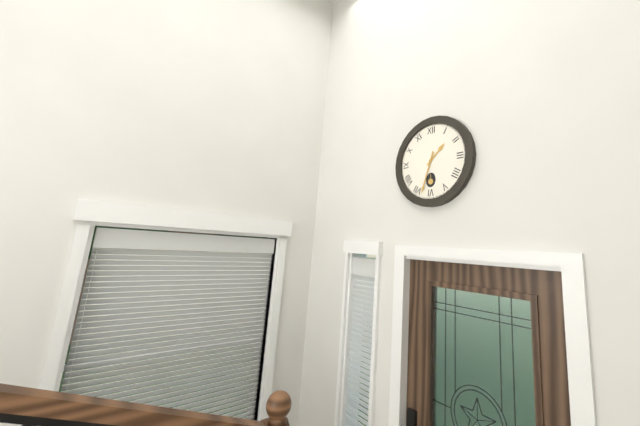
1:33
